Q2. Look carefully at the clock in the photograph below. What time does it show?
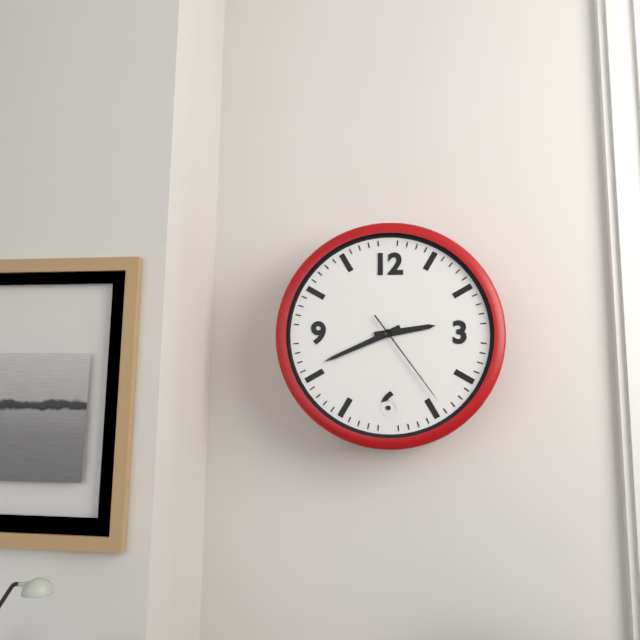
2:41:24
